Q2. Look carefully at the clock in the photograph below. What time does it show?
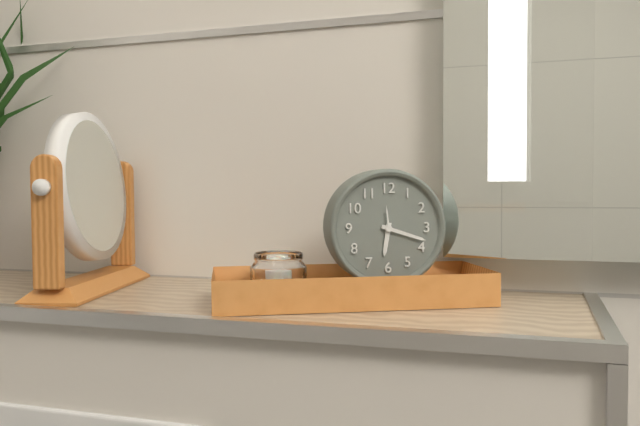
6:18
